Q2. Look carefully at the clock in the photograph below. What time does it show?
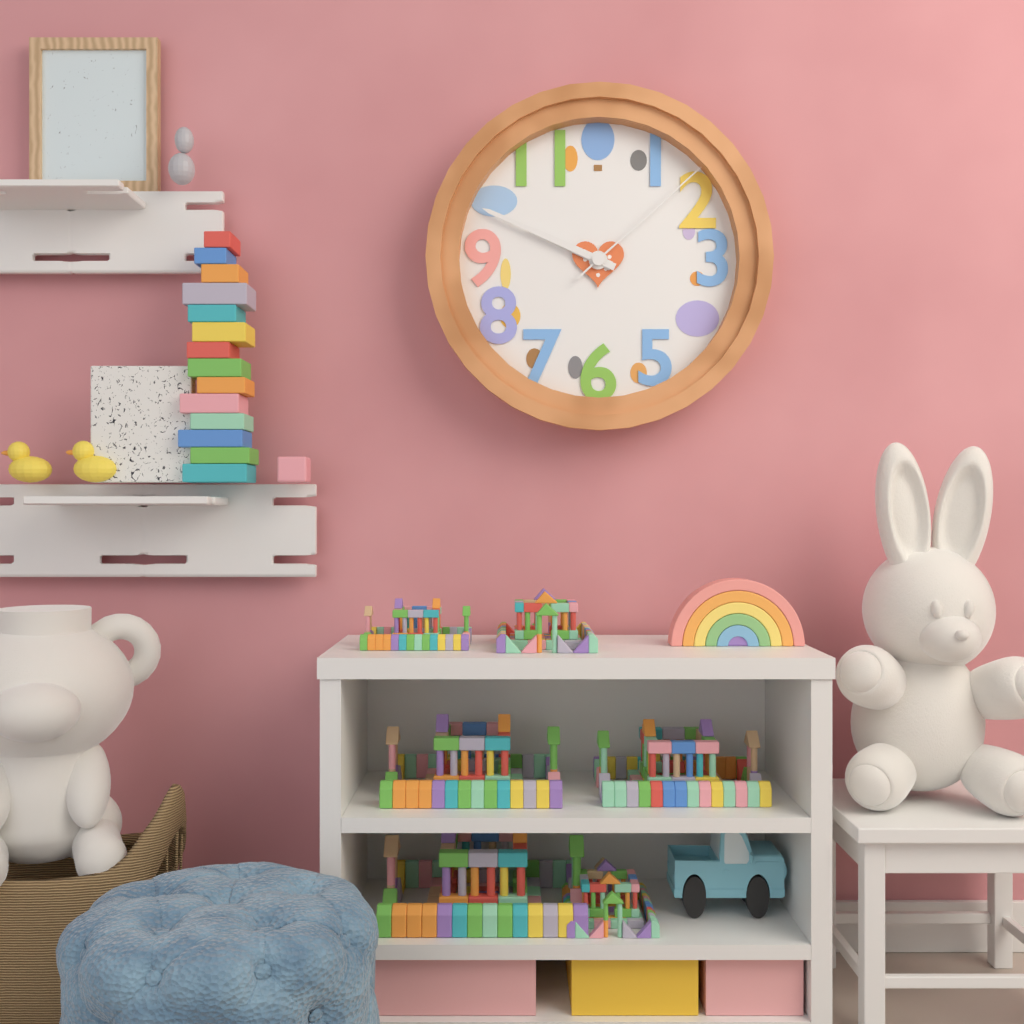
9:49:08
